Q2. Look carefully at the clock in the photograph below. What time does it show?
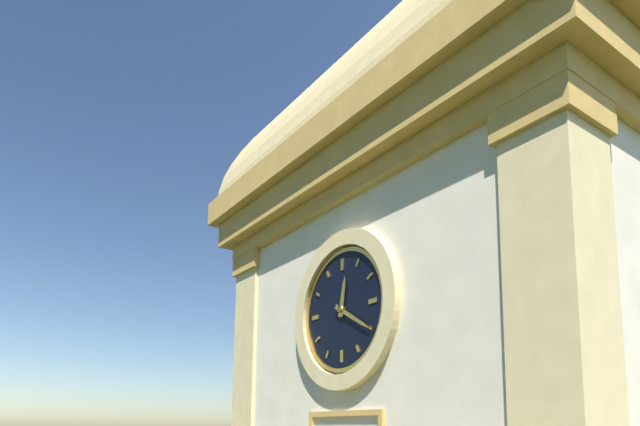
12:20
